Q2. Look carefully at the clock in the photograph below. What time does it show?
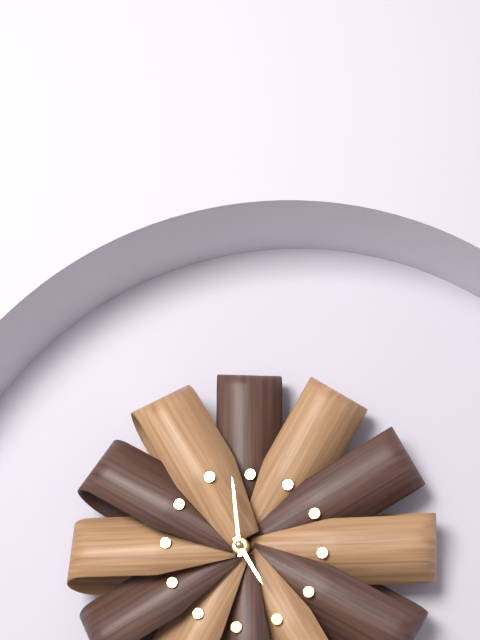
4:59
